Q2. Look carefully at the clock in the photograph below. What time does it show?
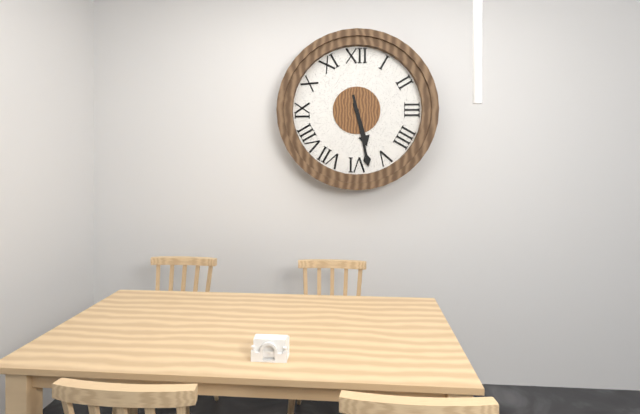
5:28
